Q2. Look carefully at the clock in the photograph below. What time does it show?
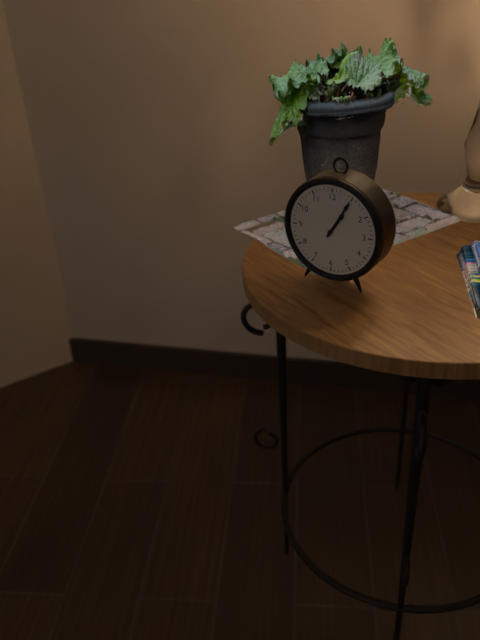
1:05
